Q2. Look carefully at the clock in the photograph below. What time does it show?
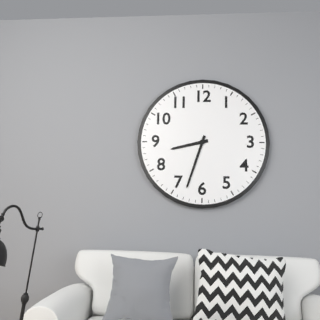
8:33
